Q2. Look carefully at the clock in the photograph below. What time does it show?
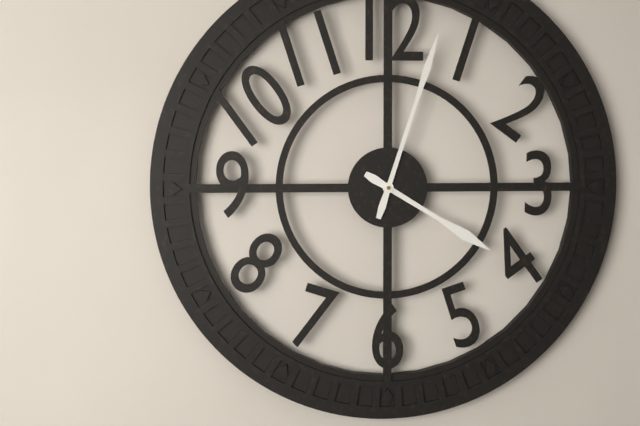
4:03
